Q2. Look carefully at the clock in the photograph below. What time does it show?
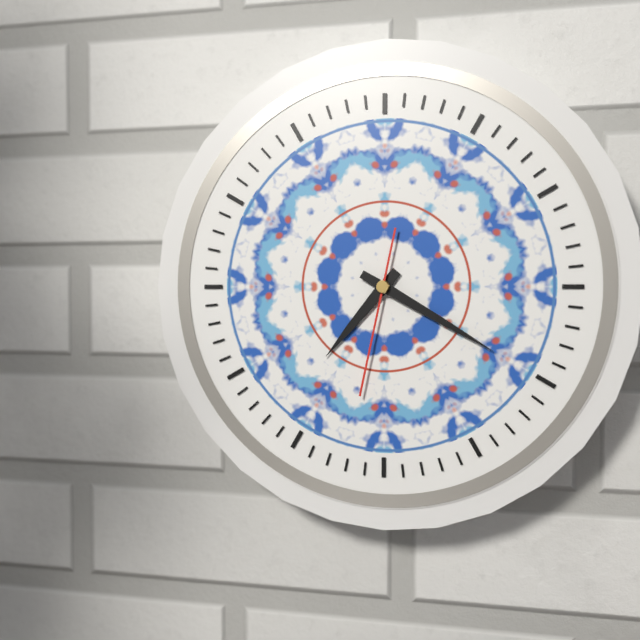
7:20:32
